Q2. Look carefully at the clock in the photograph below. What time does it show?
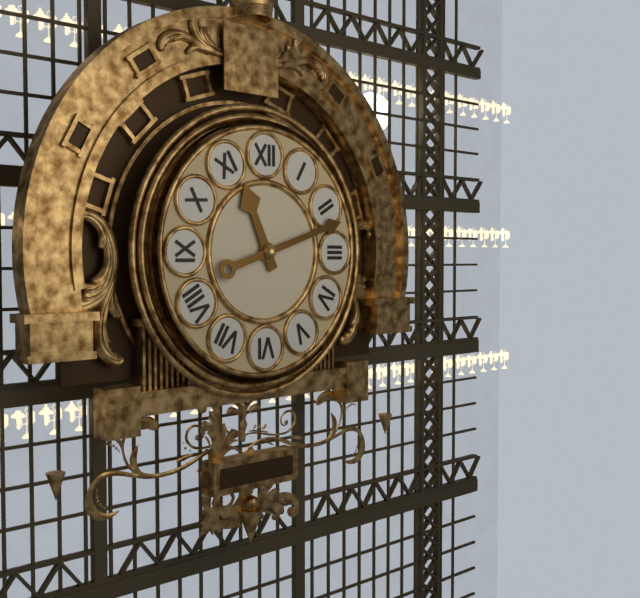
11:12
